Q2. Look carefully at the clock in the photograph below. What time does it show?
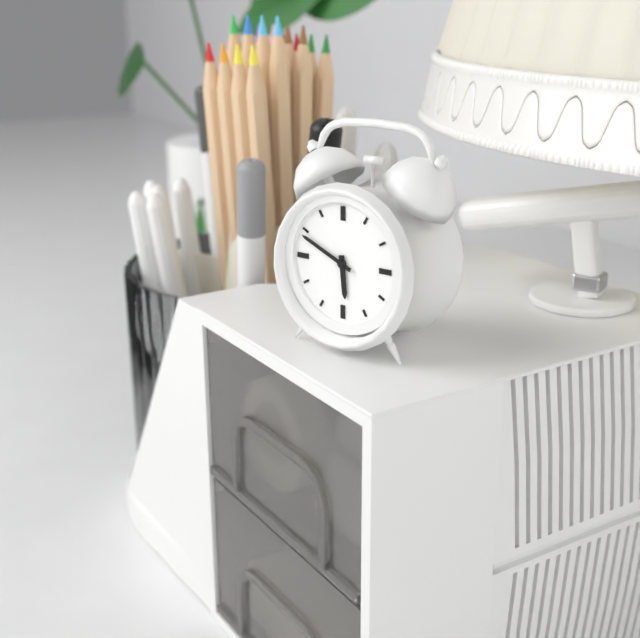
5:49
